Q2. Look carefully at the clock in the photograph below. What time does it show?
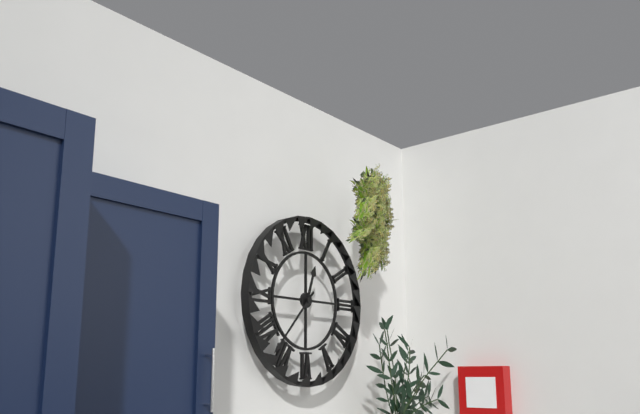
12:37
